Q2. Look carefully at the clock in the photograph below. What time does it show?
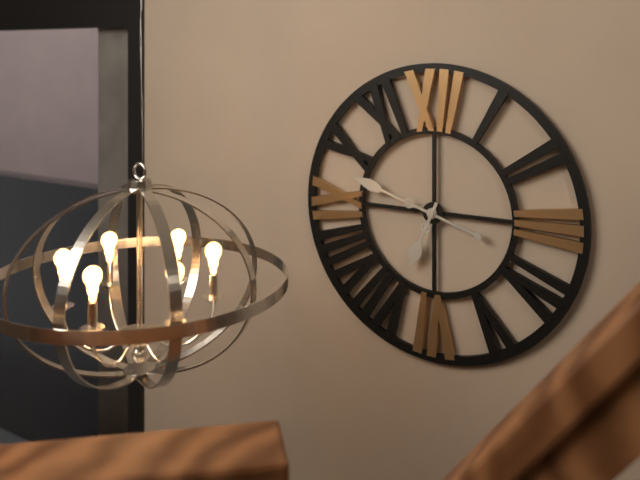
6:48
